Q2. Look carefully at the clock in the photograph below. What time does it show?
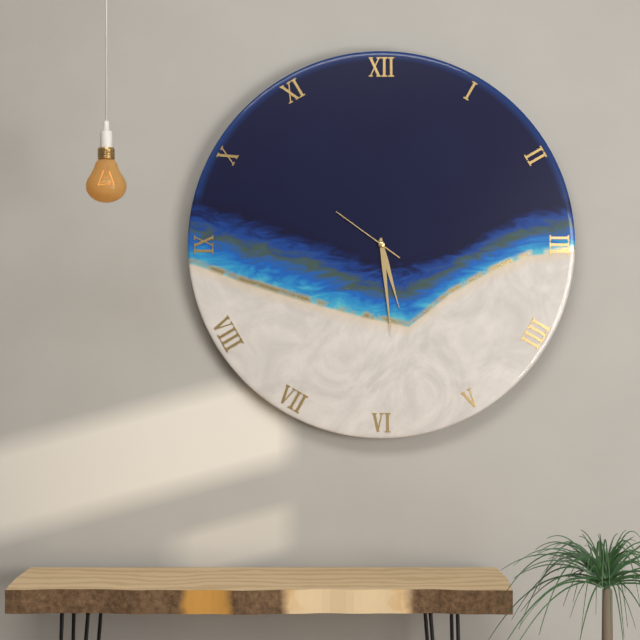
5:29:51
